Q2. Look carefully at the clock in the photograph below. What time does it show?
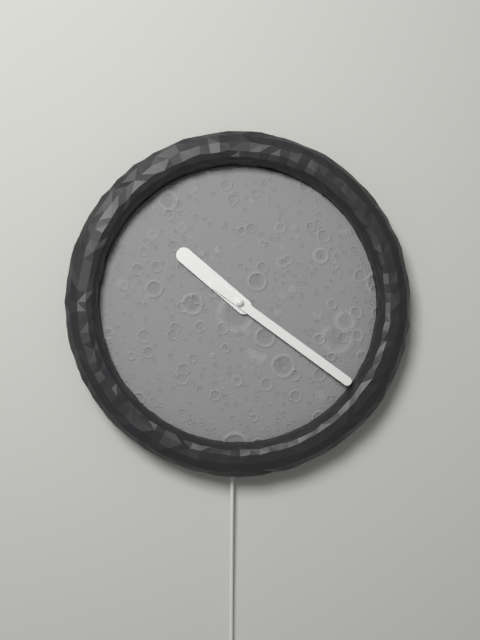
10:21
